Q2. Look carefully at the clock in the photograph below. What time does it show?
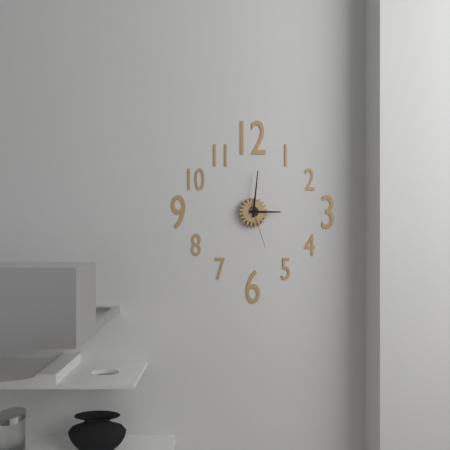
3:01
